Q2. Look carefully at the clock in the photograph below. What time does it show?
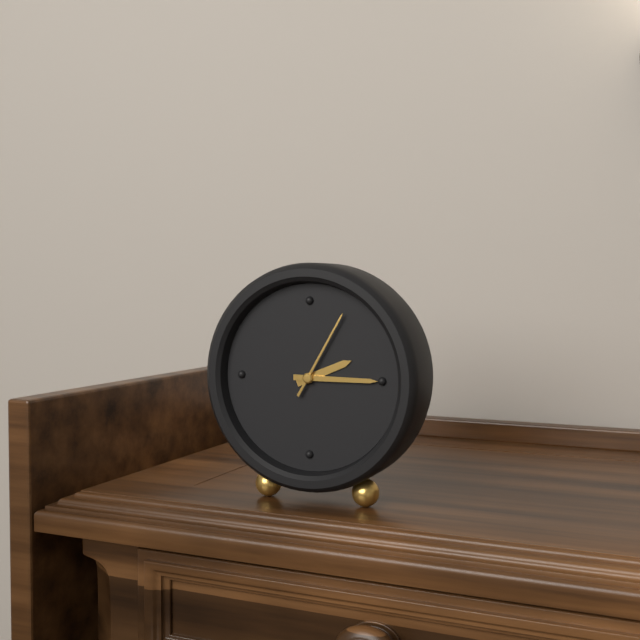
2:15:05
